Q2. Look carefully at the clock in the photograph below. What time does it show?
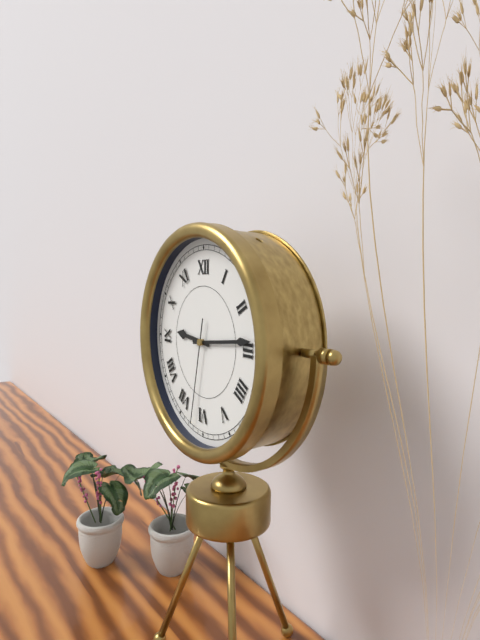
9:14:32
